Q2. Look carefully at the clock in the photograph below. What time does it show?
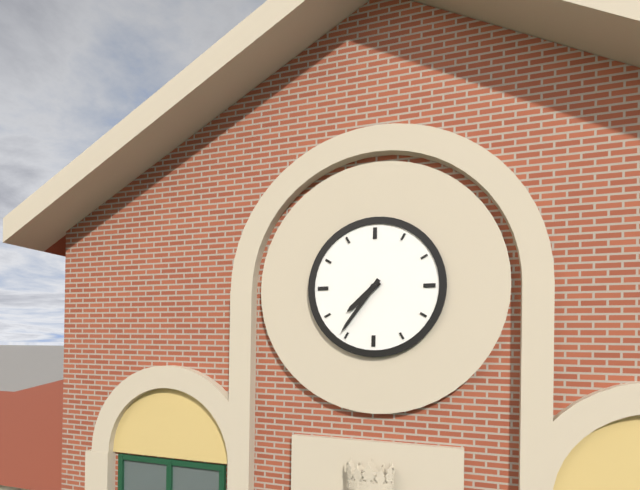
7:36
